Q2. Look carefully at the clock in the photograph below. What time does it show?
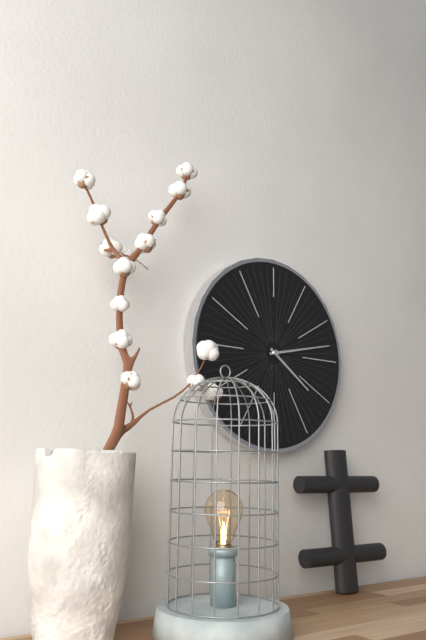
4:13
